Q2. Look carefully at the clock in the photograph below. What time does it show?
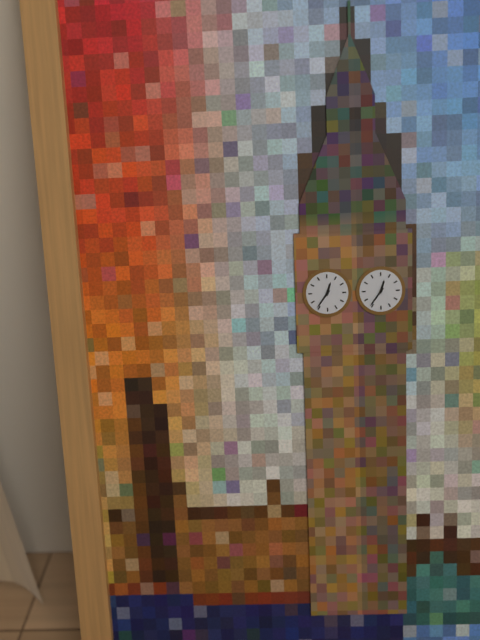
12:36
